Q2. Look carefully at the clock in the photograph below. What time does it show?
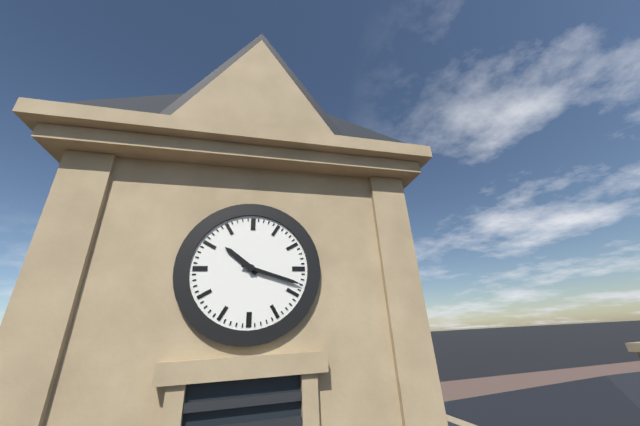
10:18
